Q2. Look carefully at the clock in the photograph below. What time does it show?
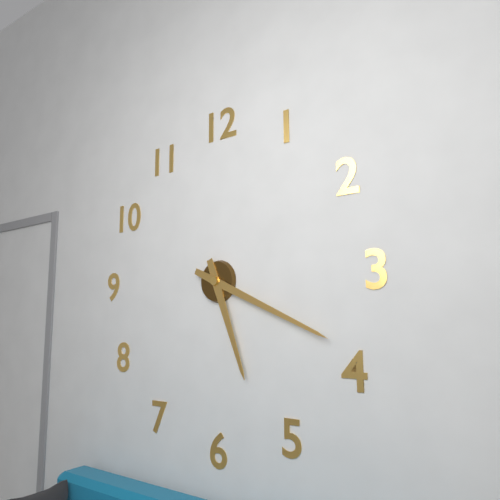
5:19
